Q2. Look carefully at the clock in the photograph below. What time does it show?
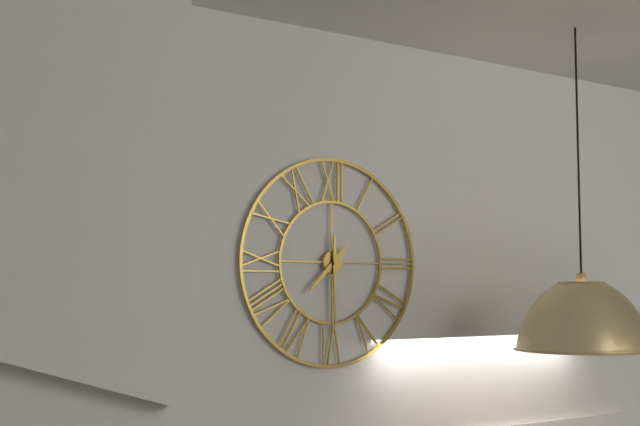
7:30
